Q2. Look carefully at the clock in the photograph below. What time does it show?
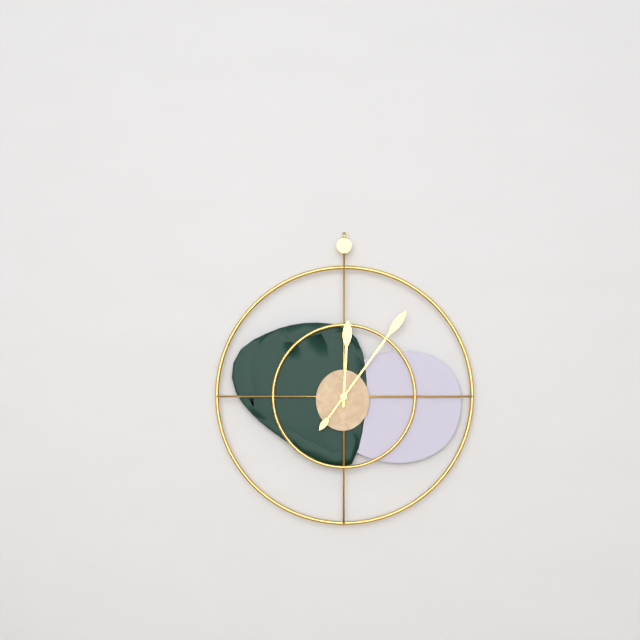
12:06
